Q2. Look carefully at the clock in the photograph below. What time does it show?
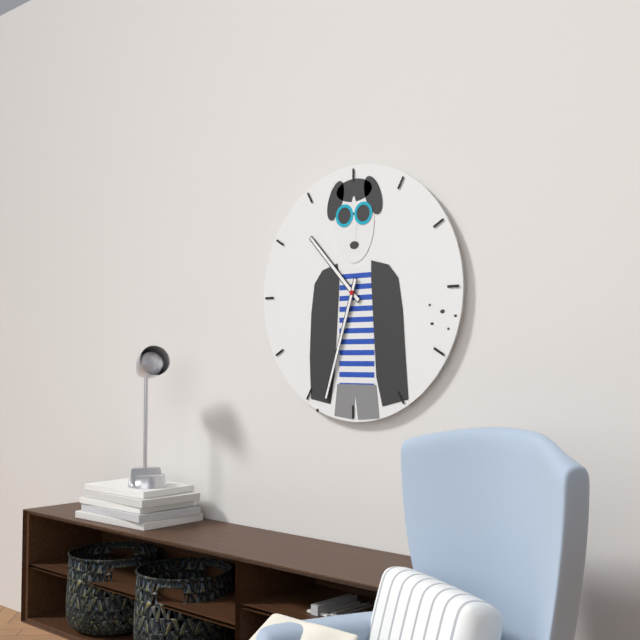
10:33
